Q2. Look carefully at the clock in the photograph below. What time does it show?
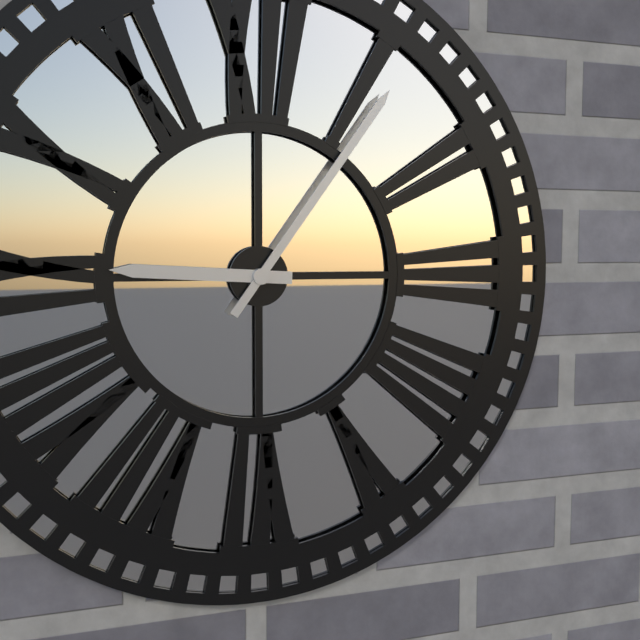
9:06
